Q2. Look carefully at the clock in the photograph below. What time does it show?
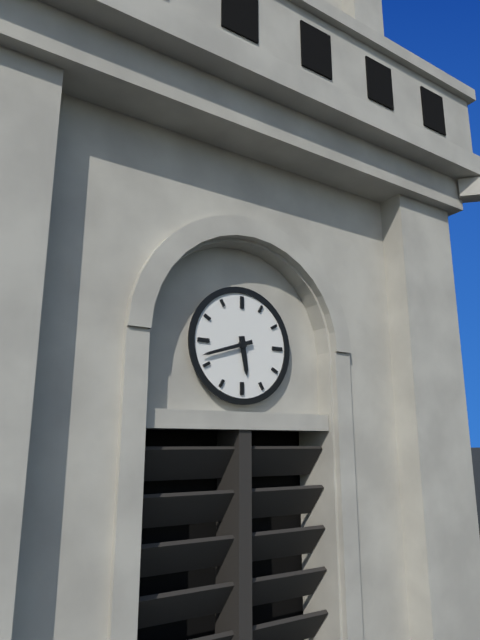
5:42
